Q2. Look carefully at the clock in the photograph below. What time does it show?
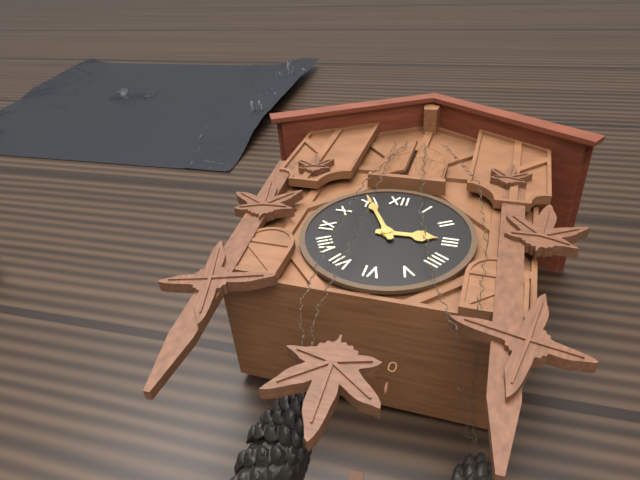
2:55
